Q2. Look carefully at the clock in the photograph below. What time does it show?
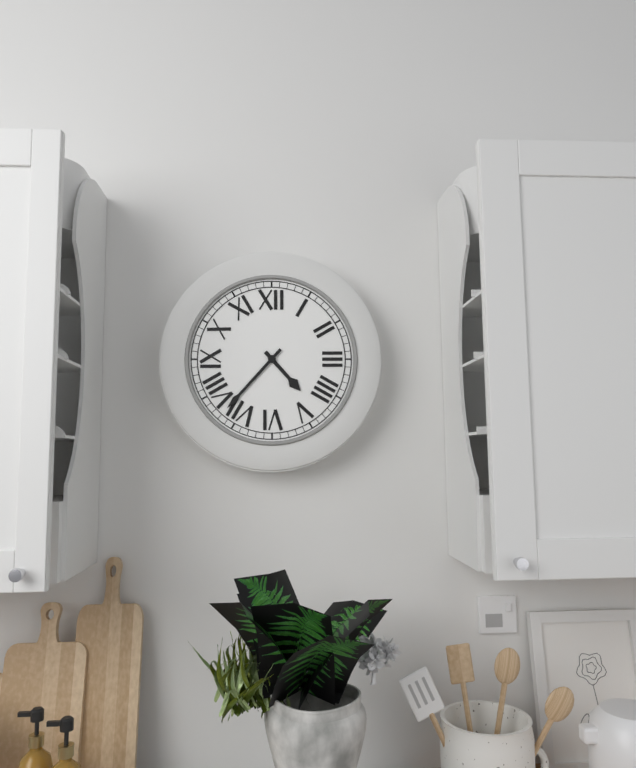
4:37
